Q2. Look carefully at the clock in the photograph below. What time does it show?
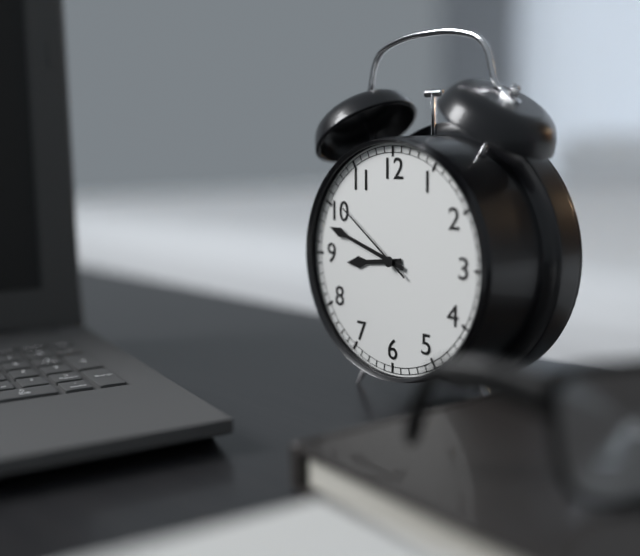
8:48:51
